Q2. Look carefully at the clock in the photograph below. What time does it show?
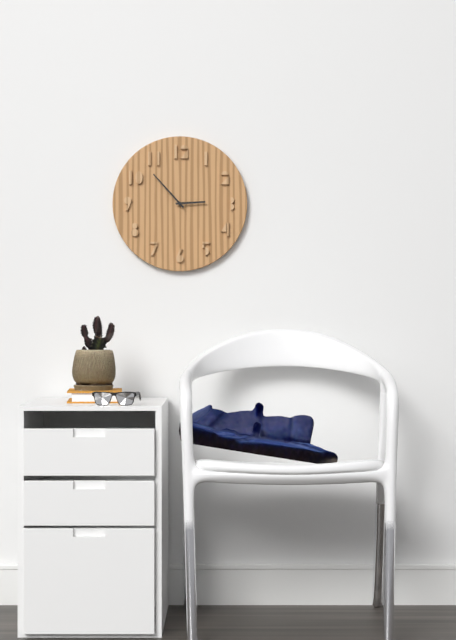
2:53
